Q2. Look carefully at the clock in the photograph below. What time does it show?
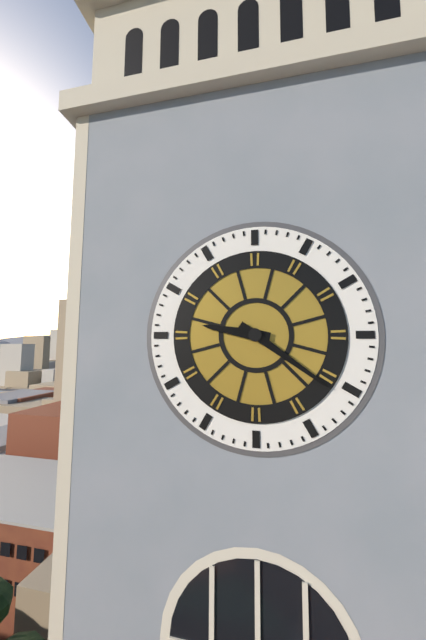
9:21
